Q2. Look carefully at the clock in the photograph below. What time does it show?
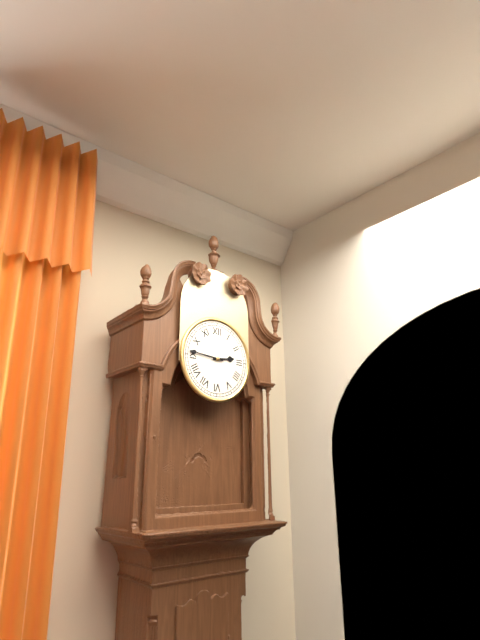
2:46
